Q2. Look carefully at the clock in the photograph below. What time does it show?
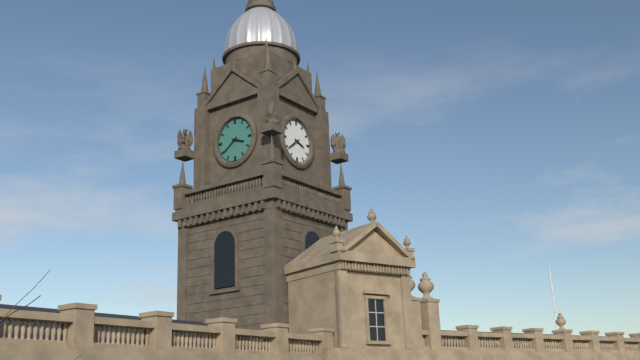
3:39
